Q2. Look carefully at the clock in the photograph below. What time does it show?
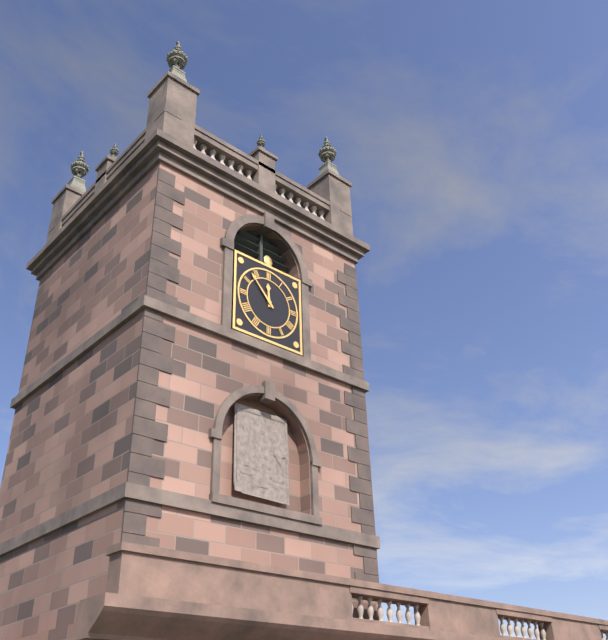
11:53
